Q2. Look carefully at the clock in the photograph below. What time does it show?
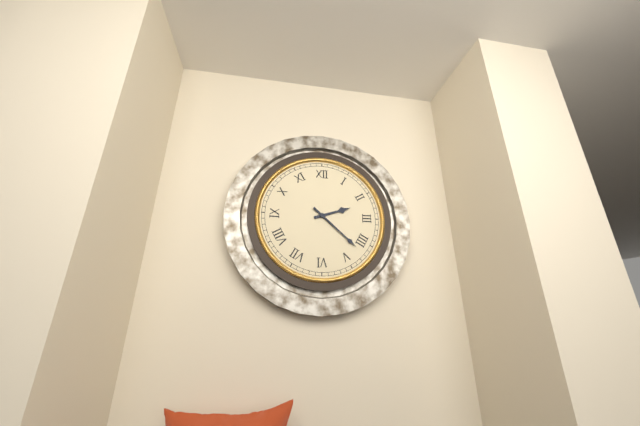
2:22
